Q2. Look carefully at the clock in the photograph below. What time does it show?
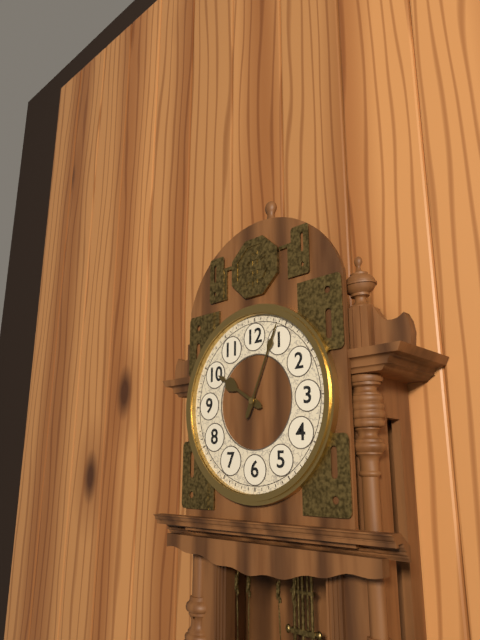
10:04
